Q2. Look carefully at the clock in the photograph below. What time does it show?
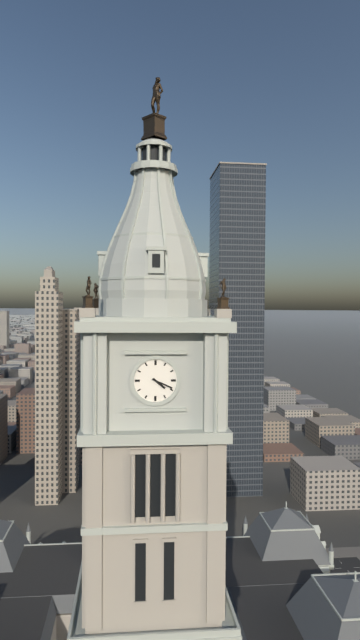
4:19
